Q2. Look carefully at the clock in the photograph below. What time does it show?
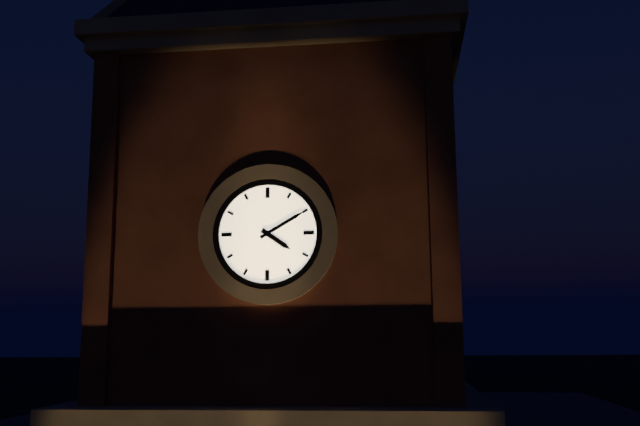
4:10
